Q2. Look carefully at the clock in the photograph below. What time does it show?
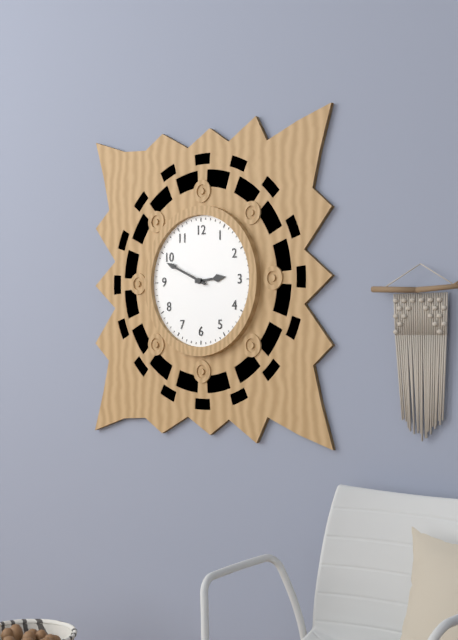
2:49
